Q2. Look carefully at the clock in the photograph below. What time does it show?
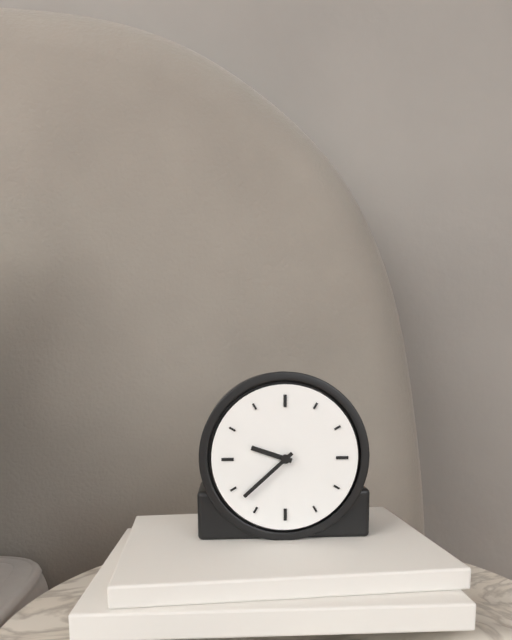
9:38
